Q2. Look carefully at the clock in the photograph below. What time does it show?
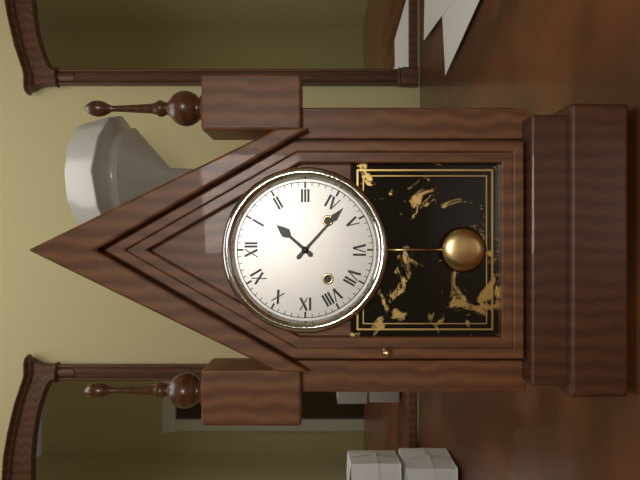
1:22
